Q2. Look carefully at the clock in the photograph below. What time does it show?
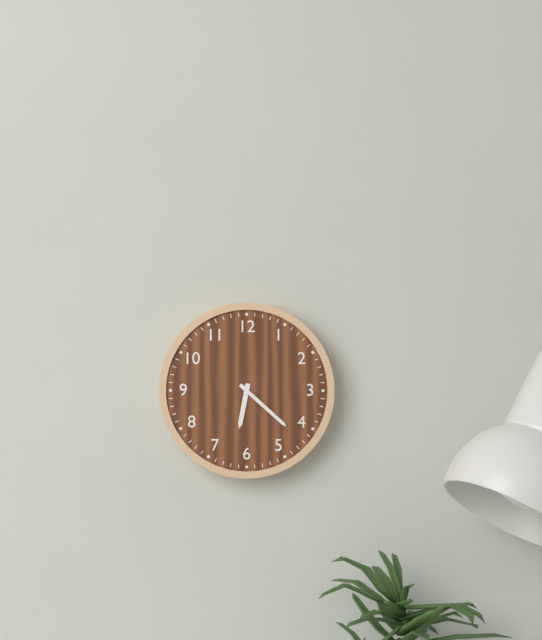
6:22
